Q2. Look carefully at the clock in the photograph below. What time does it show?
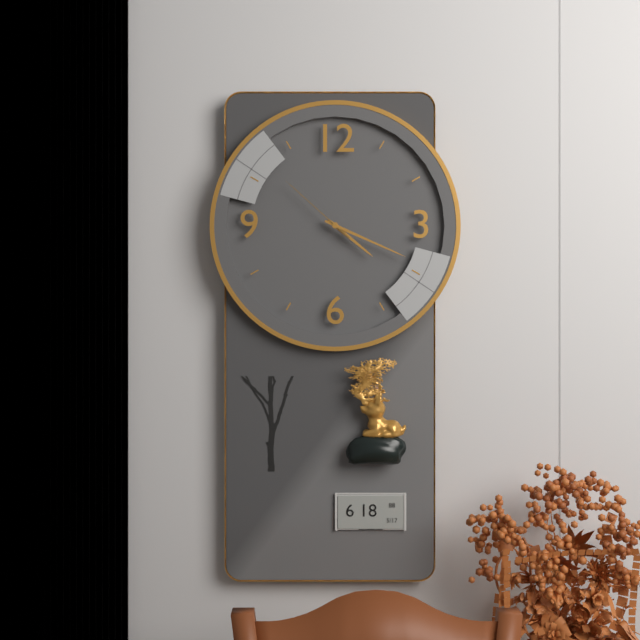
4:19:52
